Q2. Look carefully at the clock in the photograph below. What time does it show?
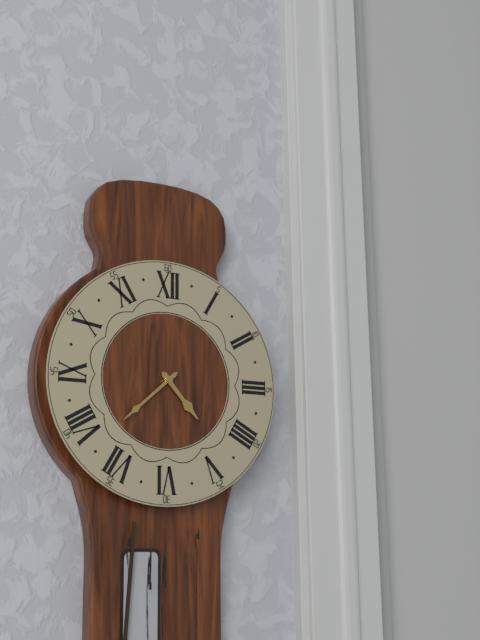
4:38
